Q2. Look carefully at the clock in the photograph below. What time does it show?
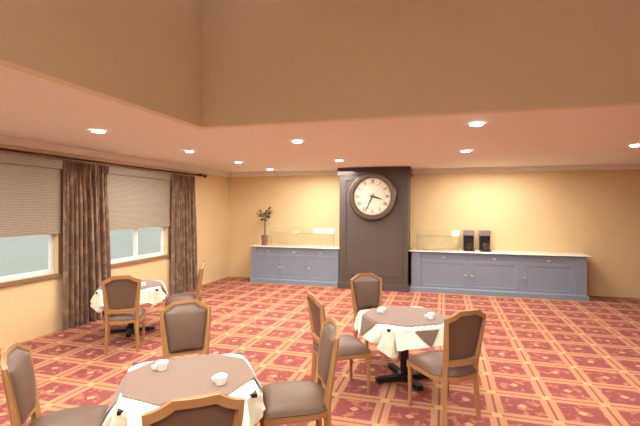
3:34
